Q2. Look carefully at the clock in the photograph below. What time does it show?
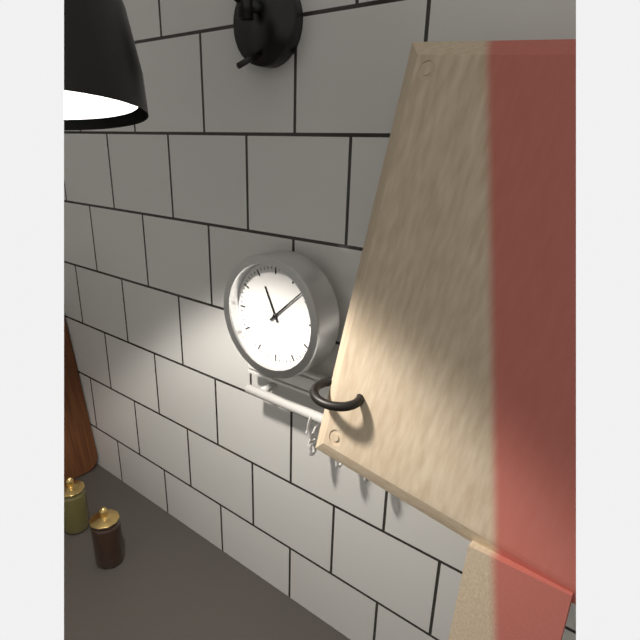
11:08
